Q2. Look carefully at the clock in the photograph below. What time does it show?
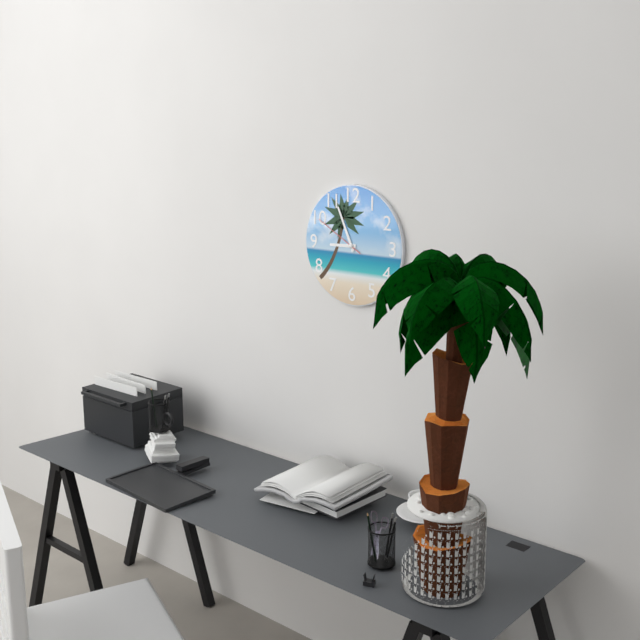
8:56:50
